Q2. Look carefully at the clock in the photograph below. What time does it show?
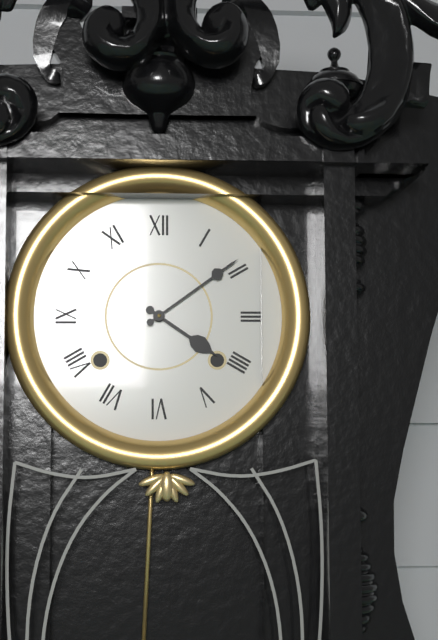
4:09
